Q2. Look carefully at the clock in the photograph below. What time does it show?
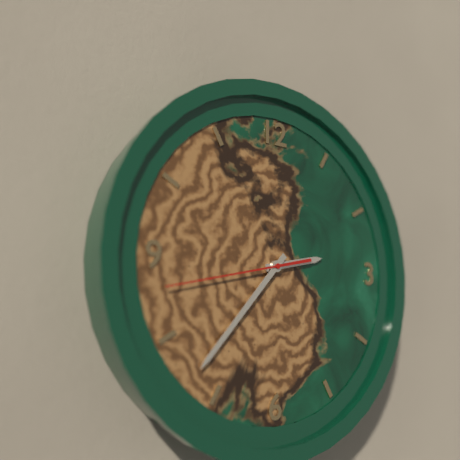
2:37:43
